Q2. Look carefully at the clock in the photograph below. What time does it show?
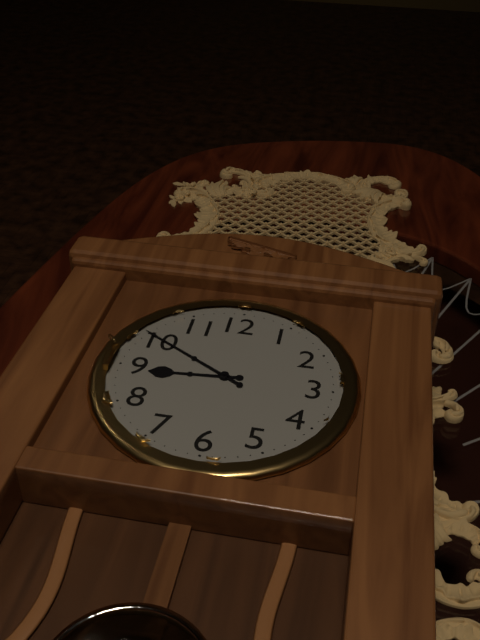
8:50
